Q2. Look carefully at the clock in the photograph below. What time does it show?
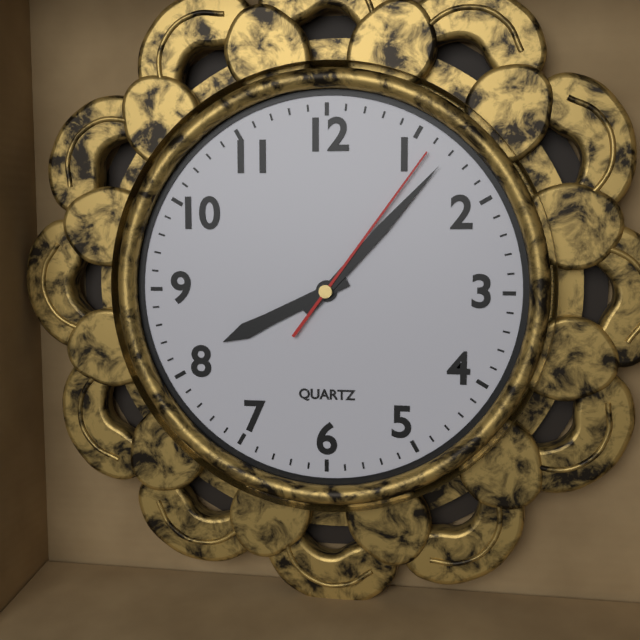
8:07:06
